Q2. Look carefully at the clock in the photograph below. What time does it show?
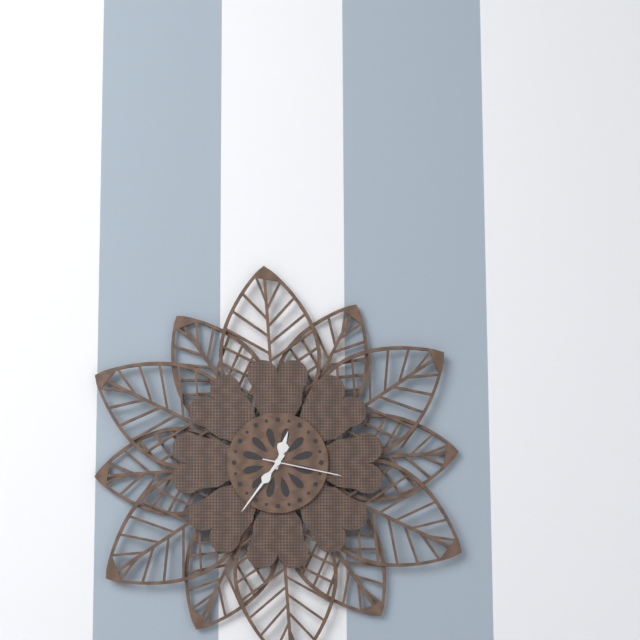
12:36:17
